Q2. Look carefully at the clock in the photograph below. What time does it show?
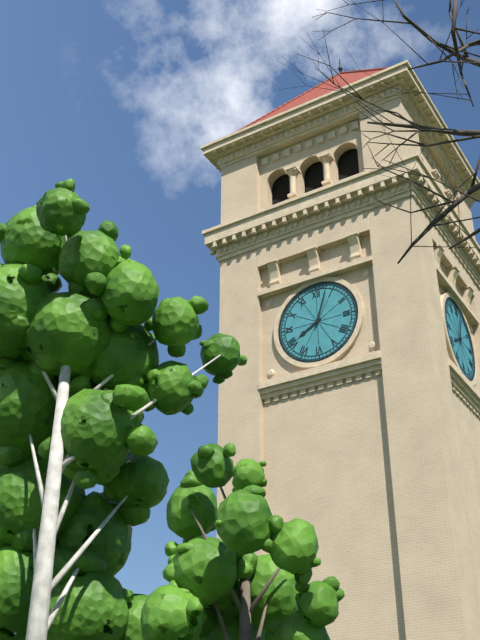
8:03
